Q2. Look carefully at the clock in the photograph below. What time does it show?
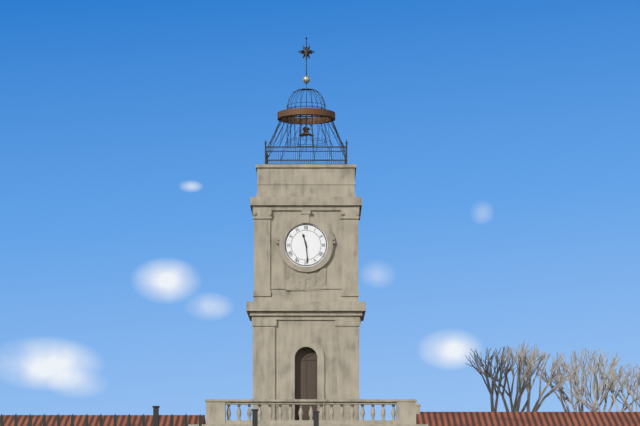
11:29
